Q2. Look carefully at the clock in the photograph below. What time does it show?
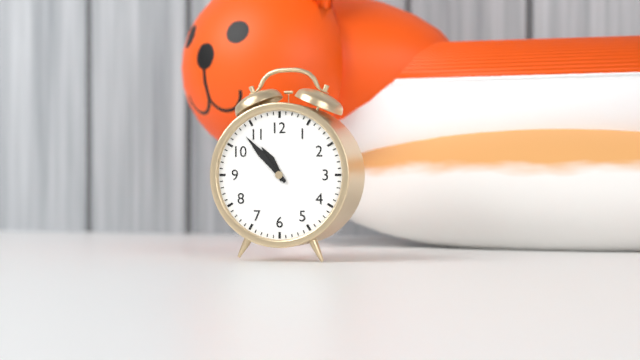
10:53
